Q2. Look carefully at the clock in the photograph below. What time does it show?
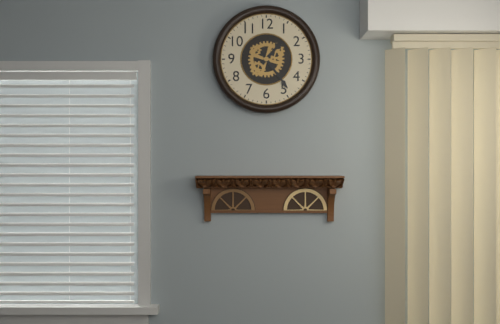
1:24
